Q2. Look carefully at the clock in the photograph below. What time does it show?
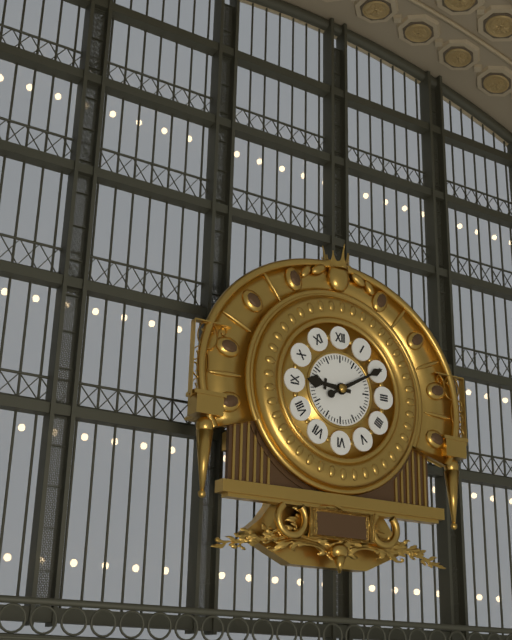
9:10
